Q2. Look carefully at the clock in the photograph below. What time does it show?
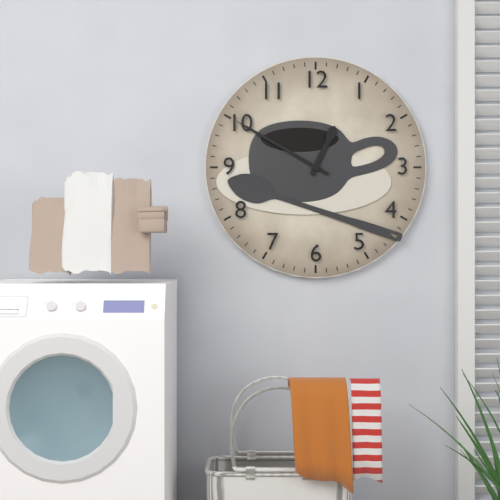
12:50
